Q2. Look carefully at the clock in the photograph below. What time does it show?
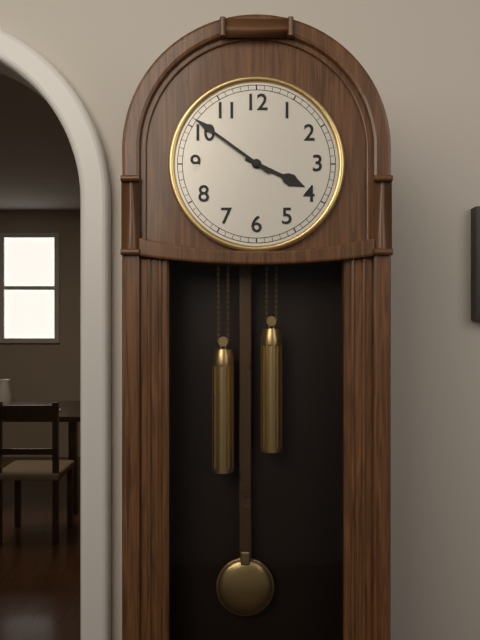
3:51
